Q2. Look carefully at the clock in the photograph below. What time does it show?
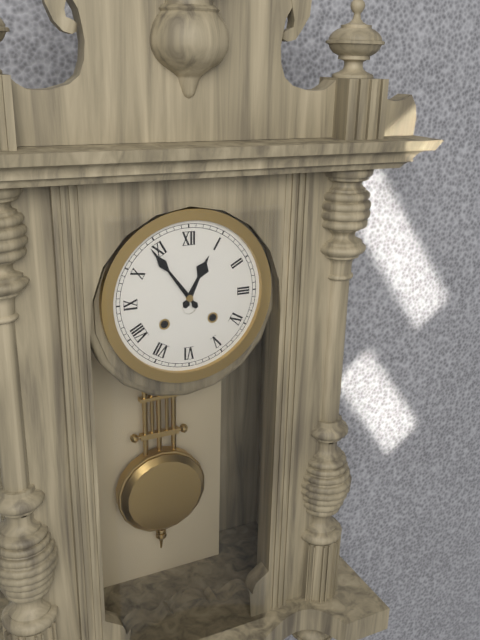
12:54
